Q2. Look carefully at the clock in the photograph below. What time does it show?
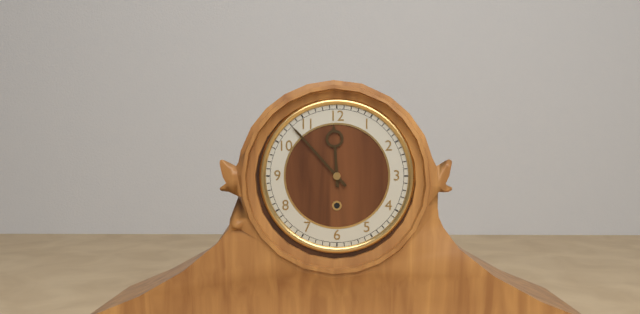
11:53
